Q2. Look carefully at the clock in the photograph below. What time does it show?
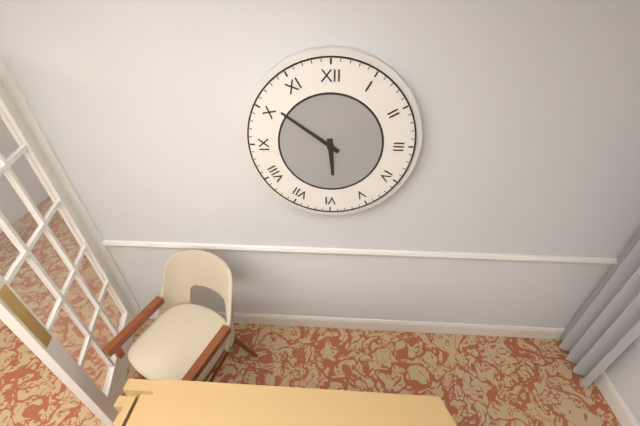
5:51
